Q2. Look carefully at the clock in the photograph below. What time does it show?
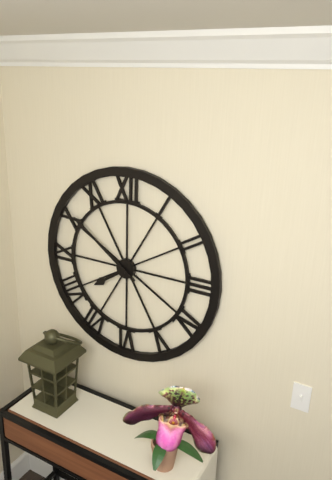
7:51
